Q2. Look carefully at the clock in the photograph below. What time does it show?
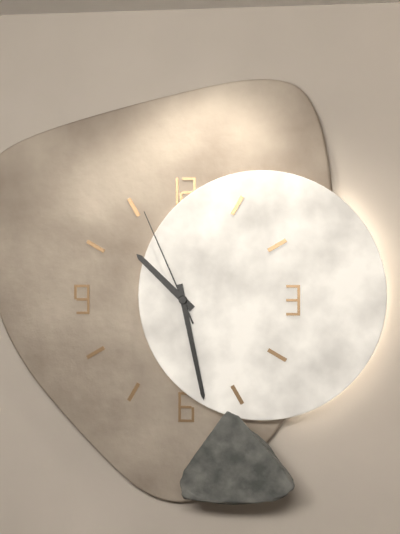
10:28:56
